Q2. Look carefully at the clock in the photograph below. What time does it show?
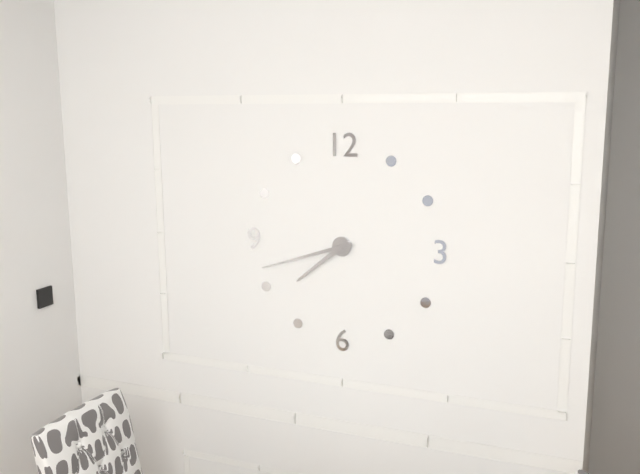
7:42
